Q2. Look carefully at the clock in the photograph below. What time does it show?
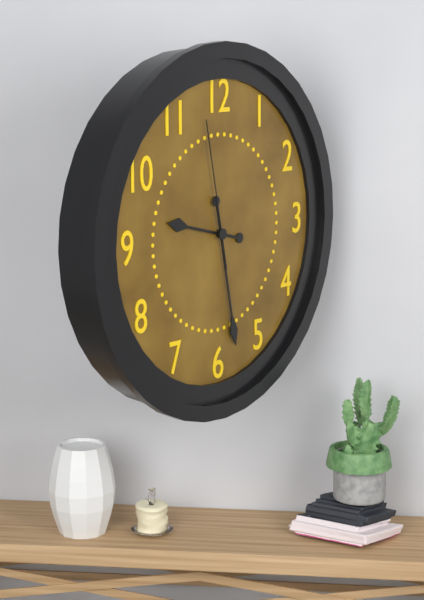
9:28:58
